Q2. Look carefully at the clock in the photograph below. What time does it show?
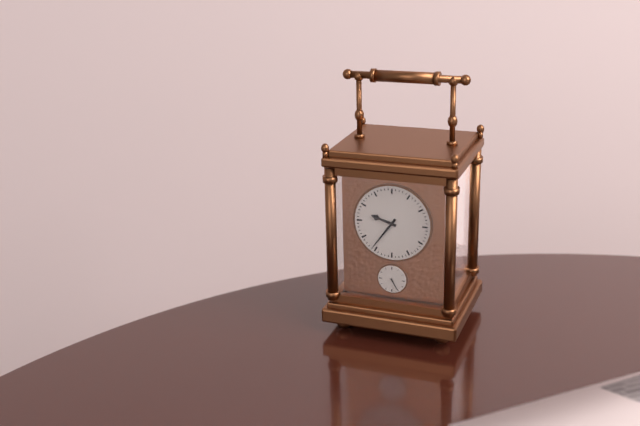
9:36
